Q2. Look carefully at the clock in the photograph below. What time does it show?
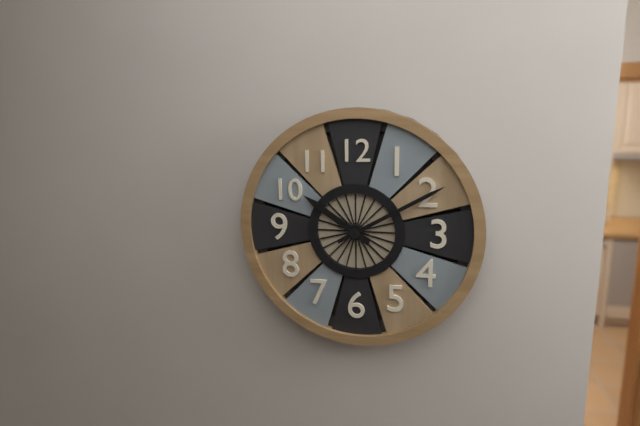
10:10
